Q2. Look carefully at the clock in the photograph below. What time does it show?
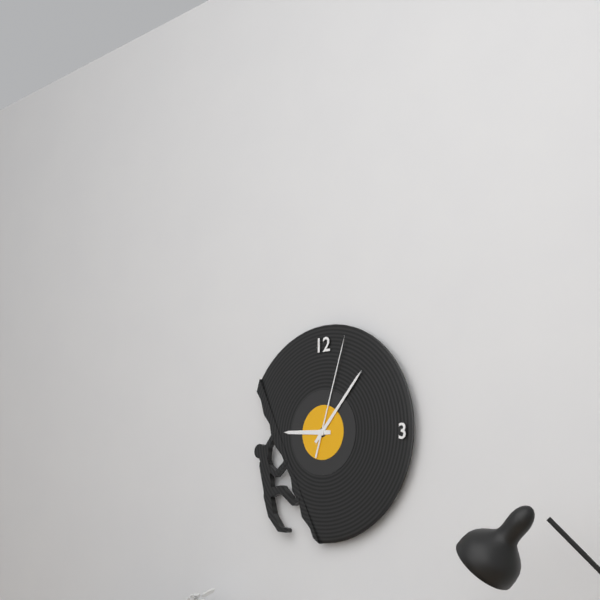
9:07:03
